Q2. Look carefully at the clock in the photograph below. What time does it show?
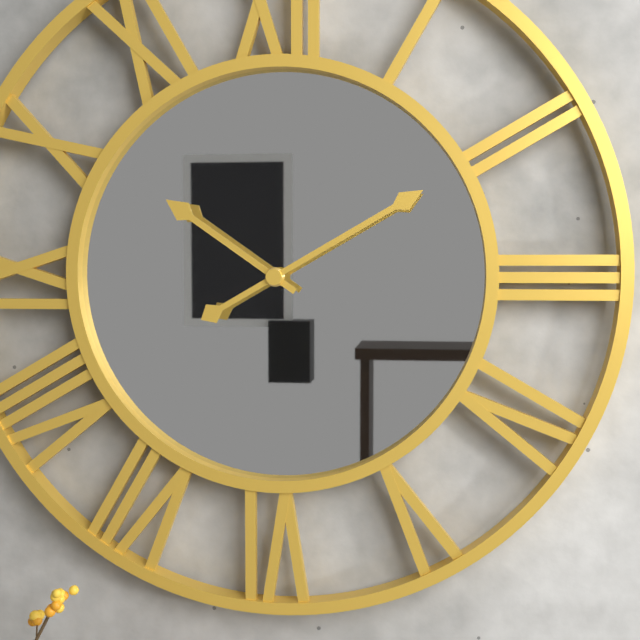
10:10
